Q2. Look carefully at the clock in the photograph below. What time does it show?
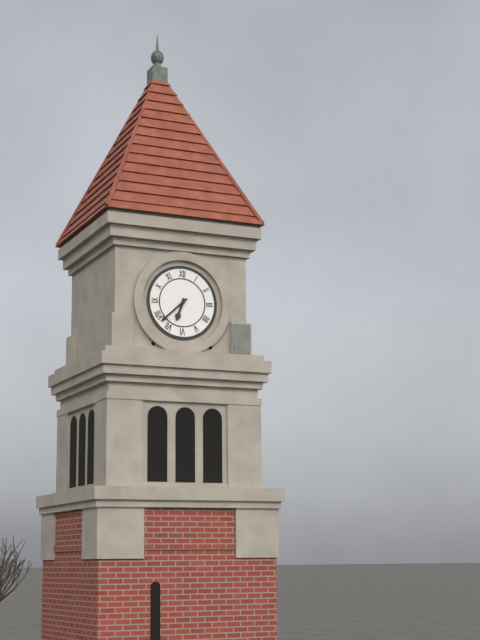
6:38
